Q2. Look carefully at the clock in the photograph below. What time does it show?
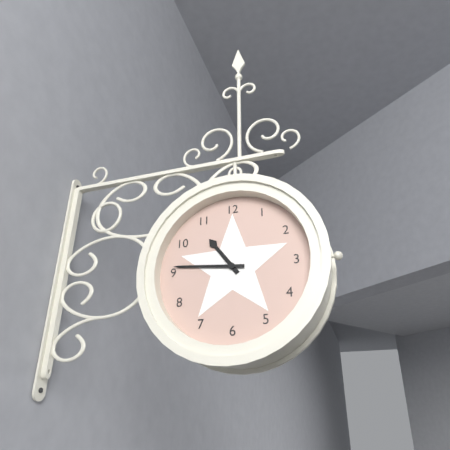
10:46
